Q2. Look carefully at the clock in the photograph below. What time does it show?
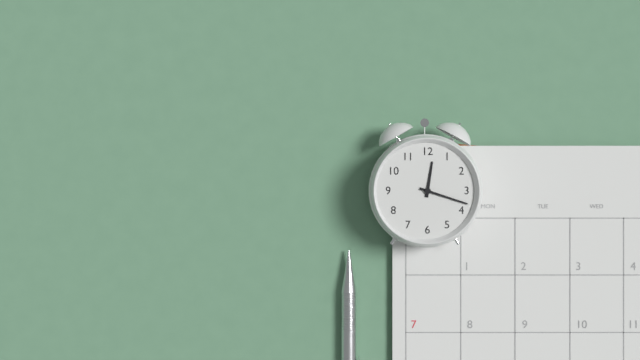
12:18
